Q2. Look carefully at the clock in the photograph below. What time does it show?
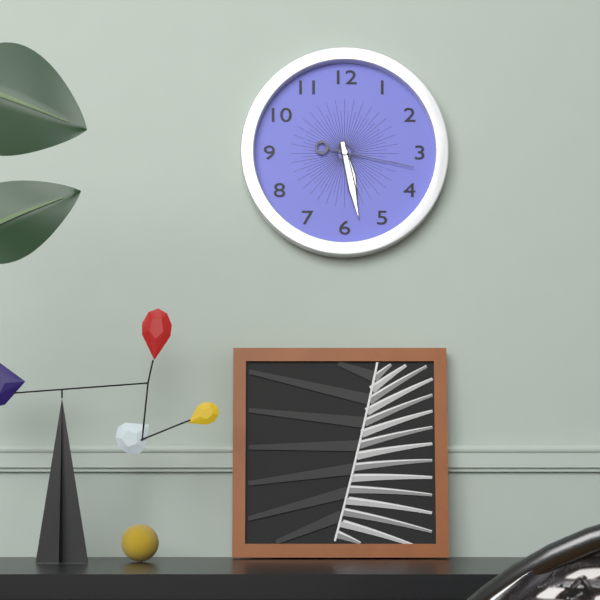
5:28:17
